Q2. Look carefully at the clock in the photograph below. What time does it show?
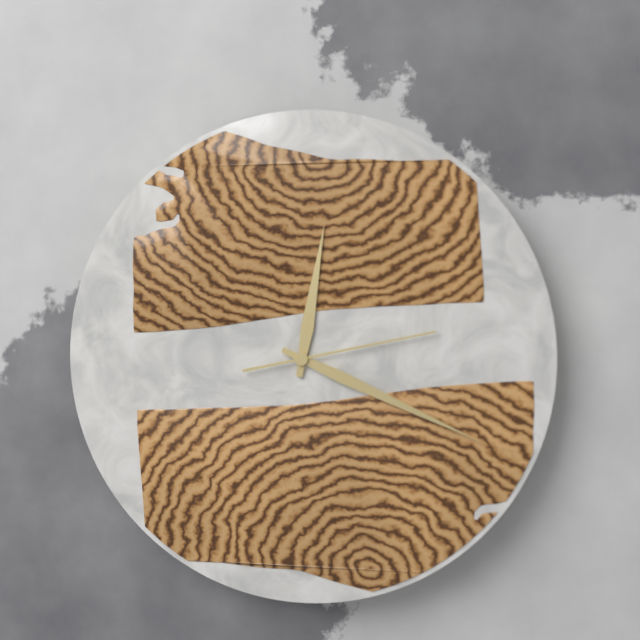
12:19:13
